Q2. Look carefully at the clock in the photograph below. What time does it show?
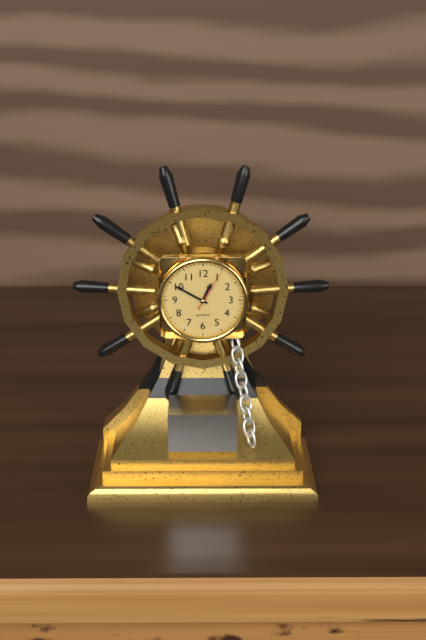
12:50
